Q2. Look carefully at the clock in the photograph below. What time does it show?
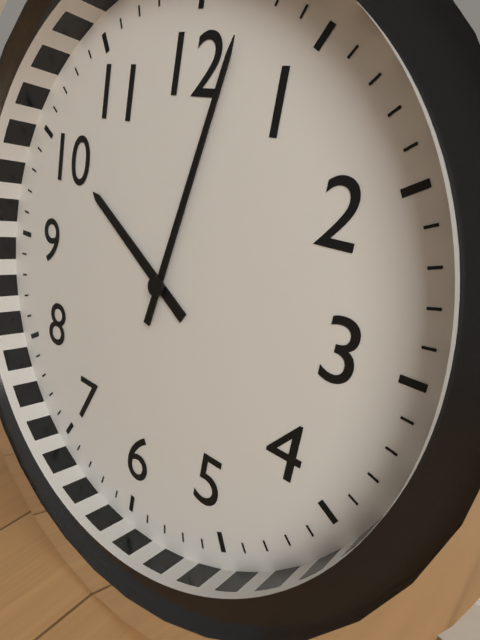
10:02
